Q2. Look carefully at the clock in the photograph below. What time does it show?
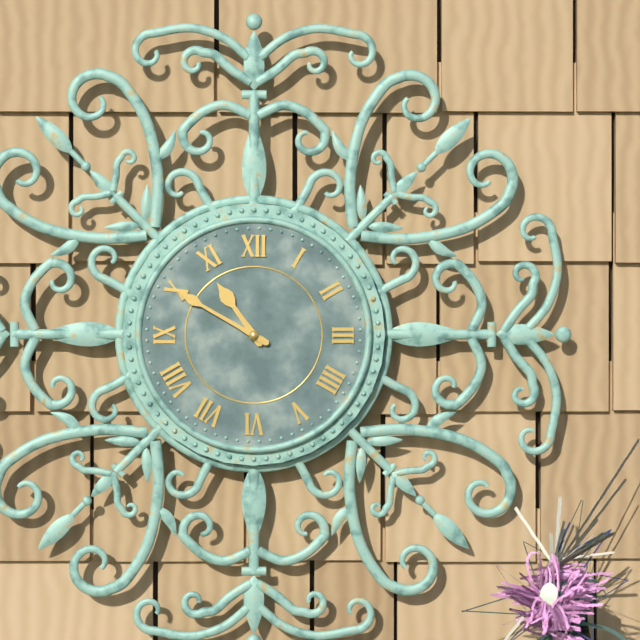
10:50
